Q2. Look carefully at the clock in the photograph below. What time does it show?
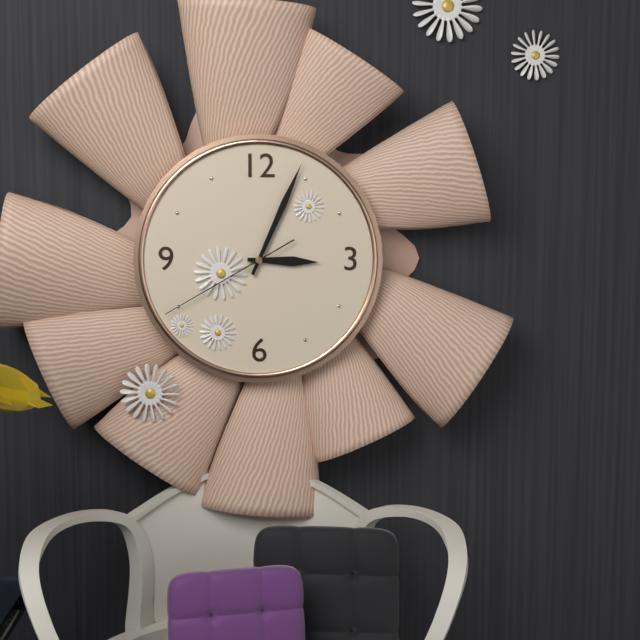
3:04:40
